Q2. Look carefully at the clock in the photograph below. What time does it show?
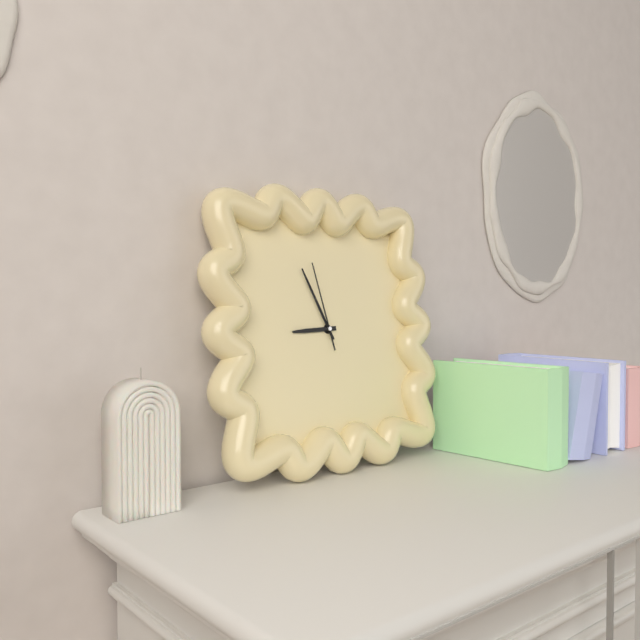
8:56:58
